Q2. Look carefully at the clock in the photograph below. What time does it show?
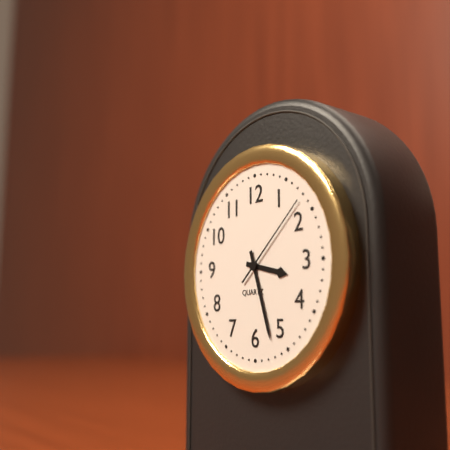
3:27:08
